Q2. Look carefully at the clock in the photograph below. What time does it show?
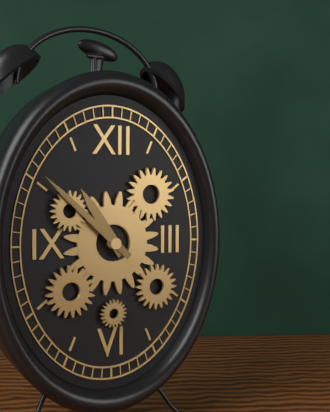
10:52
